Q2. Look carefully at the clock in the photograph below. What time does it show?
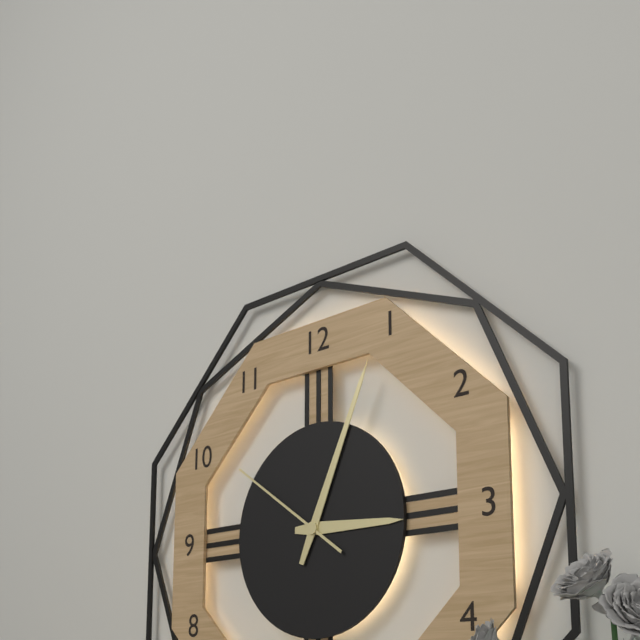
3:04:51
